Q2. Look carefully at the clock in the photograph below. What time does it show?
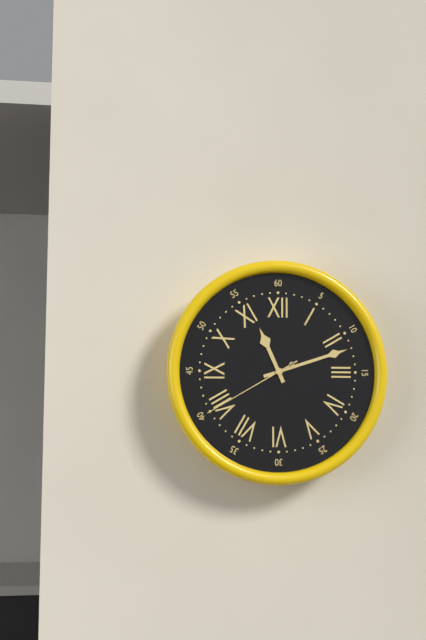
11:12:40
